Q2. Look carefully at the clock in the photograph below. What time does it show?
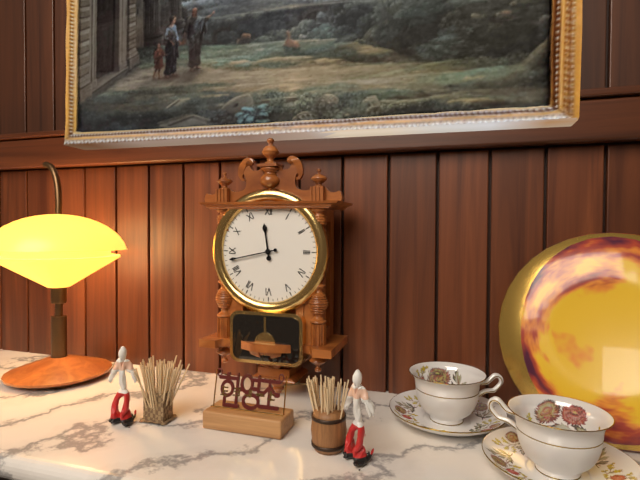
11:43
